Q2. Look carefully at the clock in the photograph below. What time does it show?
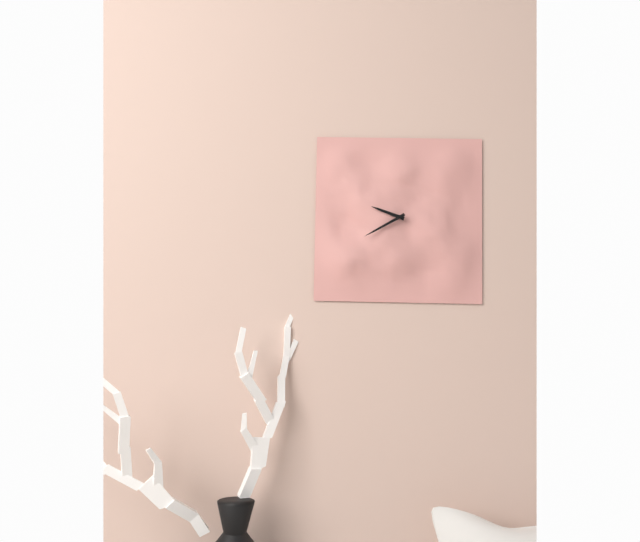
9:40
